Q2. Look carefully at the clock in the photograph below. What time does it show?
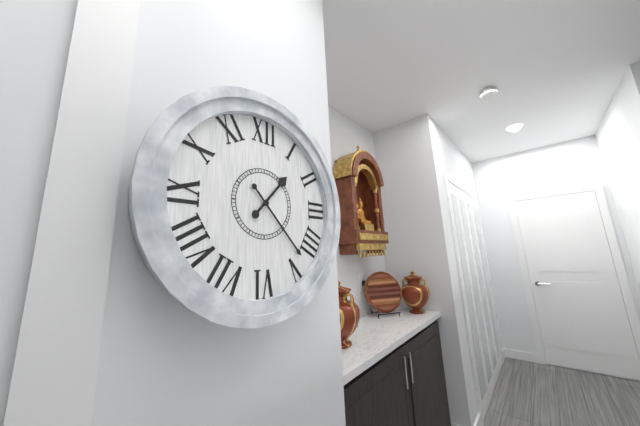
1:23
